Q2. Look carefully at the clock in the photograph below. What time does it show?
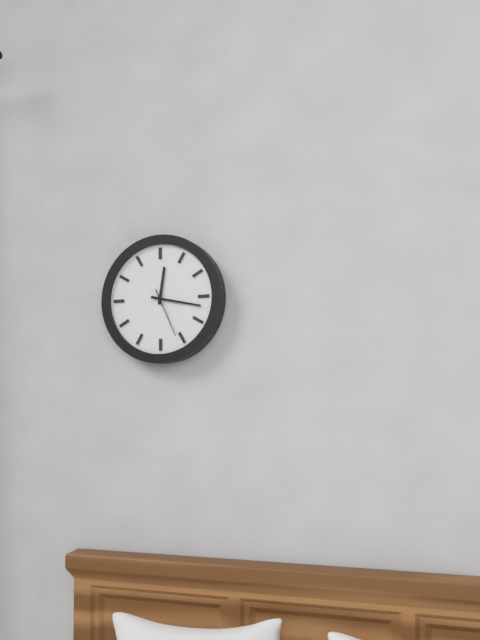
12:17:26
